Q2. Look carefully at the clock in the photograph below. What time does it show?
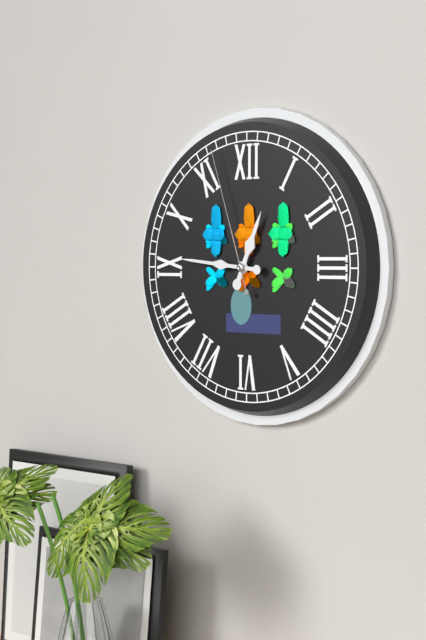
12:46:57
